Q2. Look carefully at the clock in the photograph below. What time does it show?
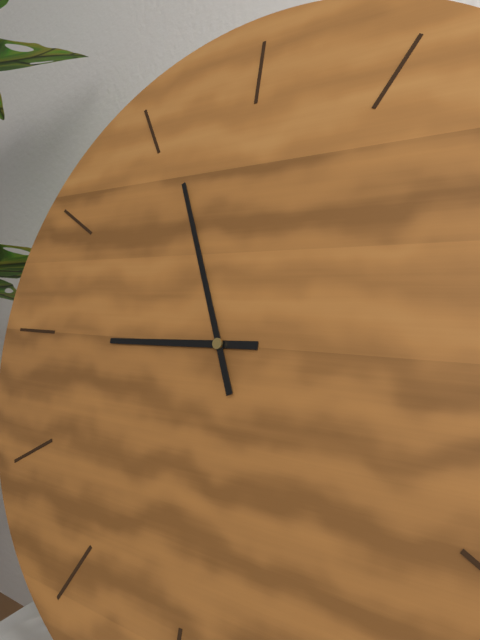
8:56
